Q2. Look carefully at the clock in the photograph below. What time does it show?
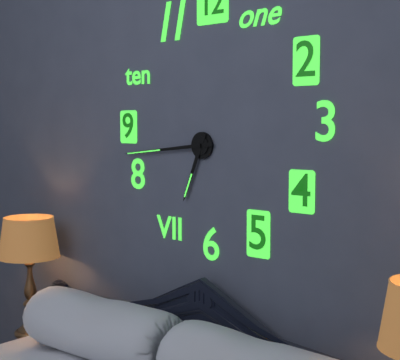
6:44
